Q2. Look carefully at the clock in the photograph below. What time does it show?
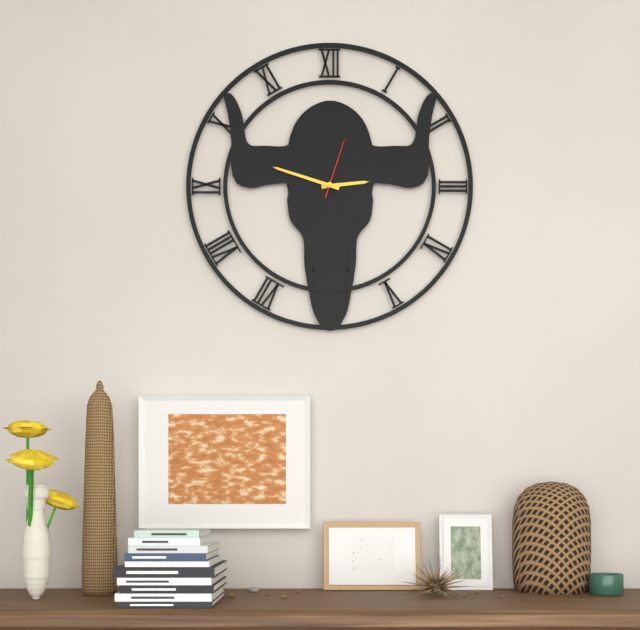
2:48:03
